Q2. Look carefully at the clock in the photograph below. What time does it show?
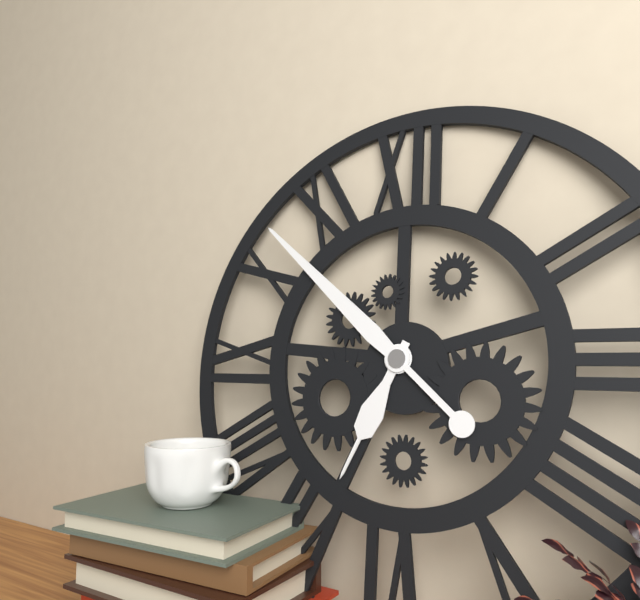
6:52
